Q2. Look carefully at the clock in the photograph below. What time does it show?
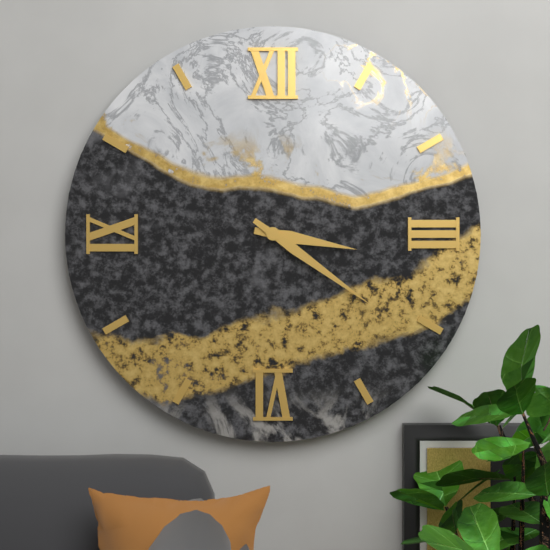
3:21
